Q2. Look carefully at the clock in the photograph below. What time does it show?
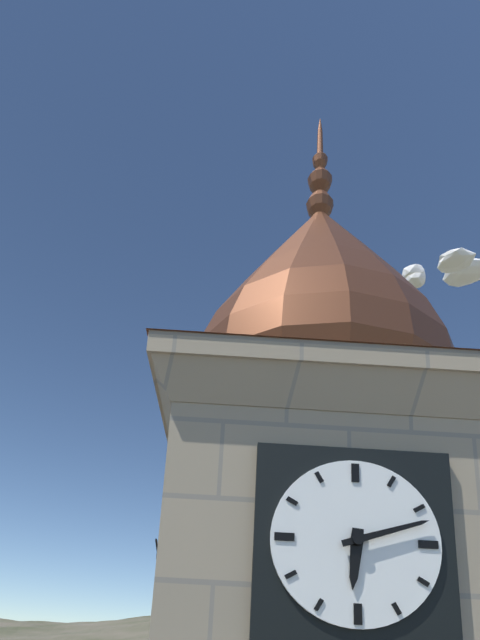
6:12
